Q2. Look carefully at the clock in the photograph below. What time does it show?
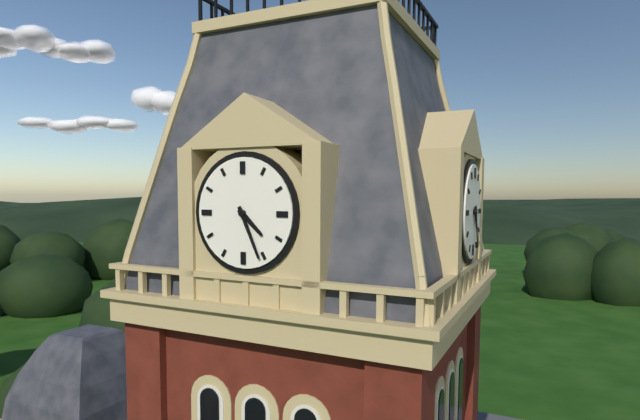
4:26
